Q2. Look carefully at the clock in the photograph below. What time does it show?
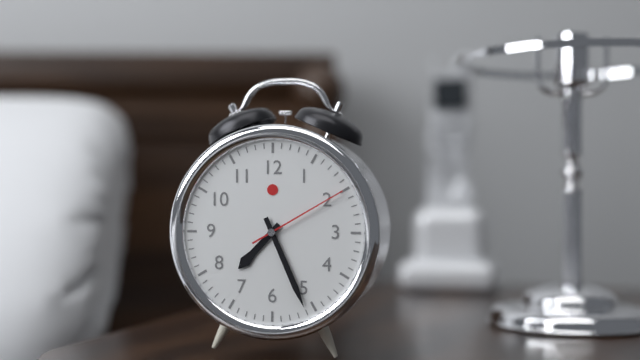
7:26:10
